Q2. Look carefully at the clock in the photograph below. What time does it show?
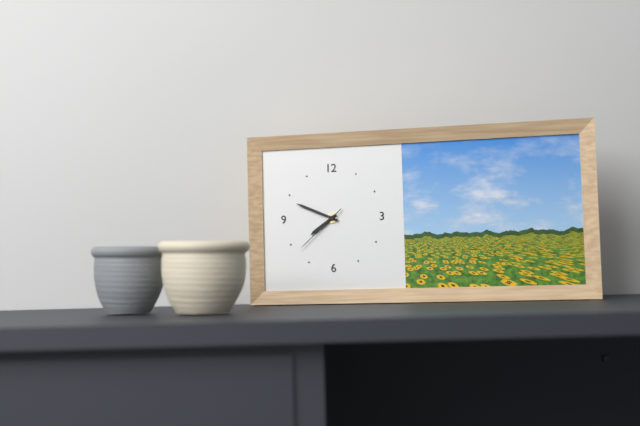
7:49:38
